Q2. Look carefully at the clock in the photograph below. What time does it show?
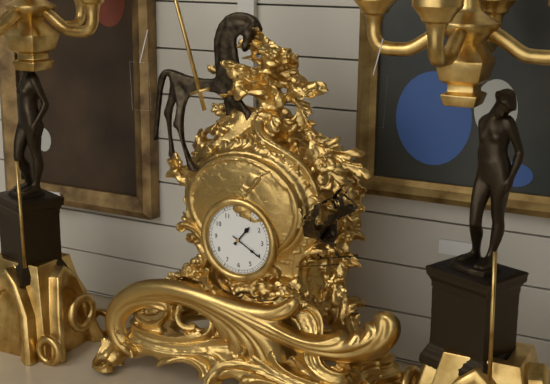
1:20
